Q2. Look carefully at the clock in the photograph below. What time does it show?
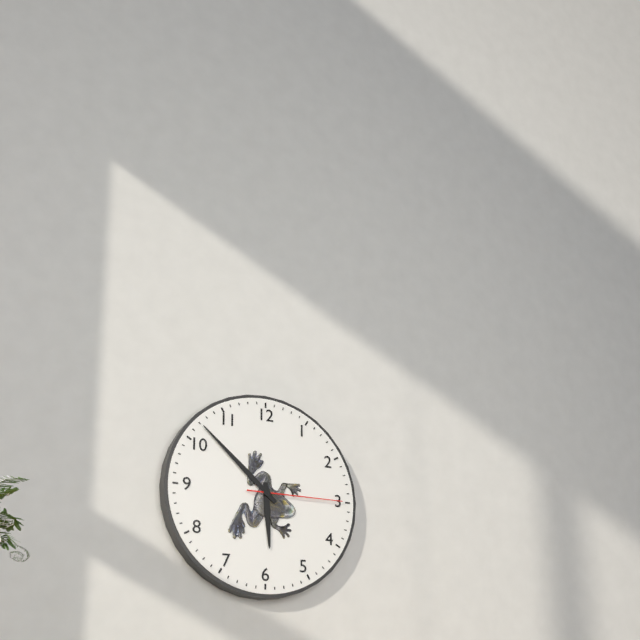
5:52:15
